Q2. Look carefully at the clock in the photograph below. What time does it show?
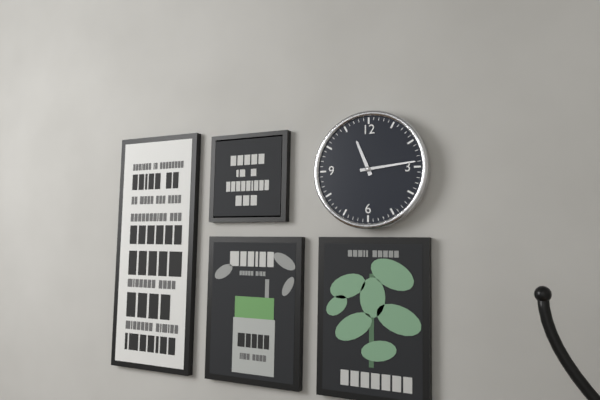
11:14
